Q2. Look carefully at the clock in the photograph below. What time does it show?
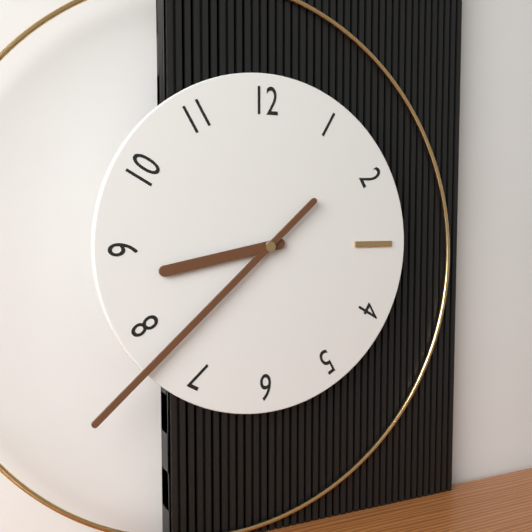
8:38
